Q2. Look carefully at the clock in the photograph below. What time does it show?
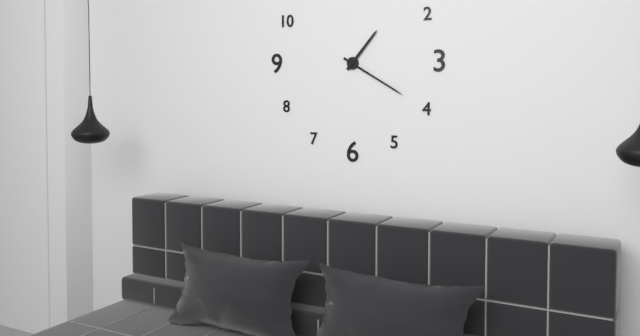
1:20
